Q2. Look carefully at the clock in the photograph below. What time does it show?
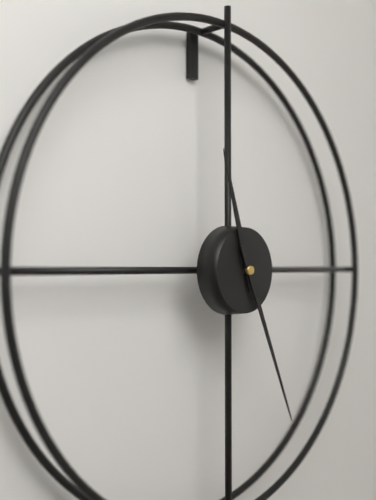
11:26
